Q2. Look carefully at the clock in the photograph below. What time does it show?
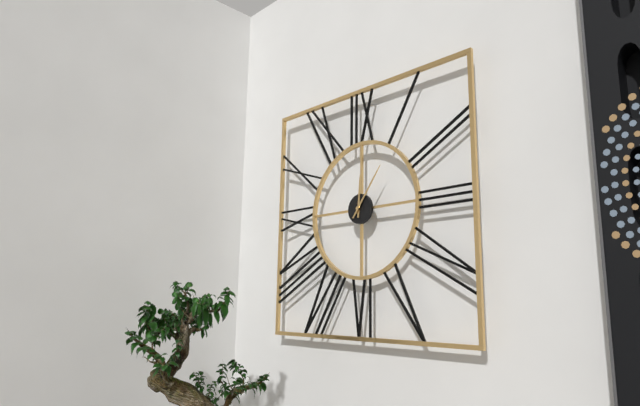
12:06
